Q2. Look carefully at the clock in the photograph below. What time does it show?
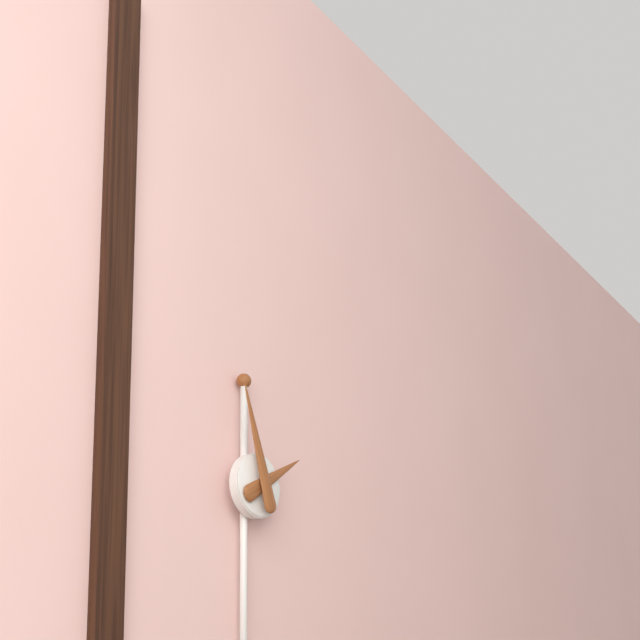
1:57
